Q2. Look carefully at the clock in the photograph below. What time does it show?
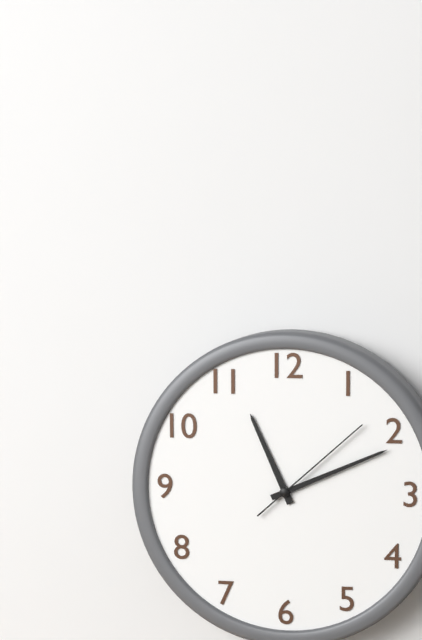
11:11:08
